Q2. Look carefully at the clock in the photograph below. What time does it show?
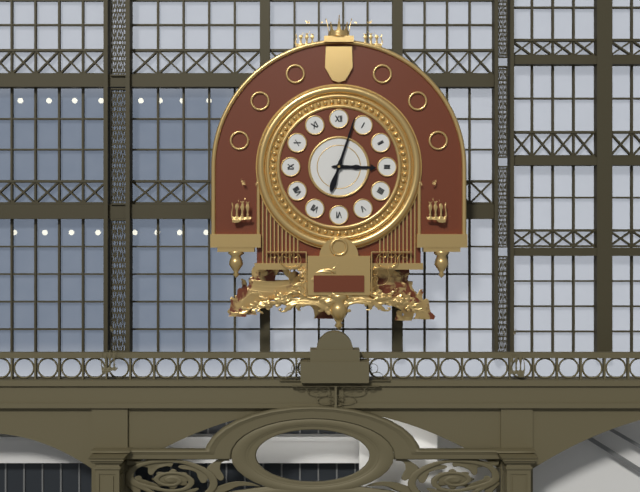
3:03
